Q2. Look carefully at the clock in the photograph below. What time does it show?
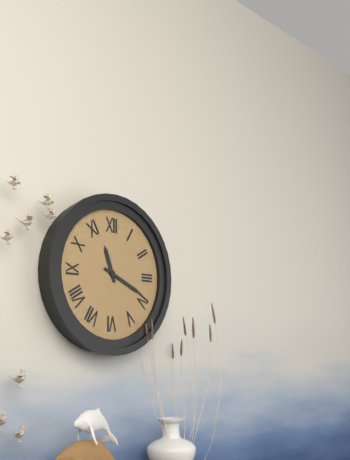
11:19
